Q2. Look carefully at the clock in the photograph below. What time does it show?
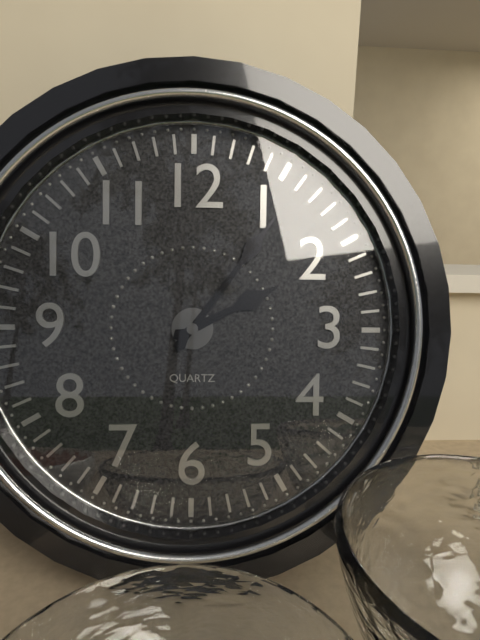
2:06
